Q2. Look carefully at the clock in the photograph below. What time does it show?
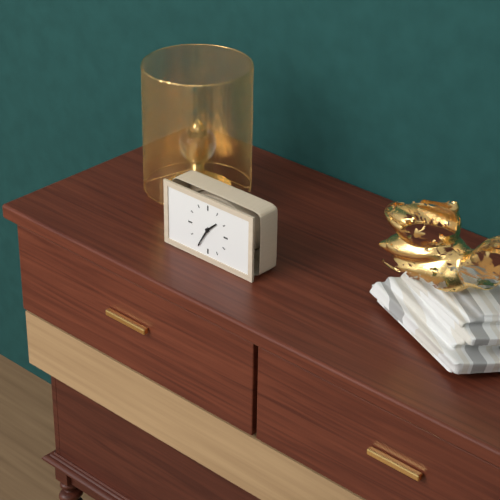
1:35
